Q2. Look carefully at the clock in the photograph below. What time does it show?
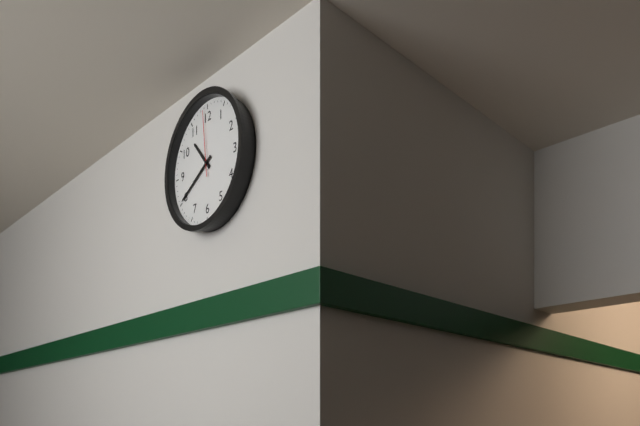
10:40:59
